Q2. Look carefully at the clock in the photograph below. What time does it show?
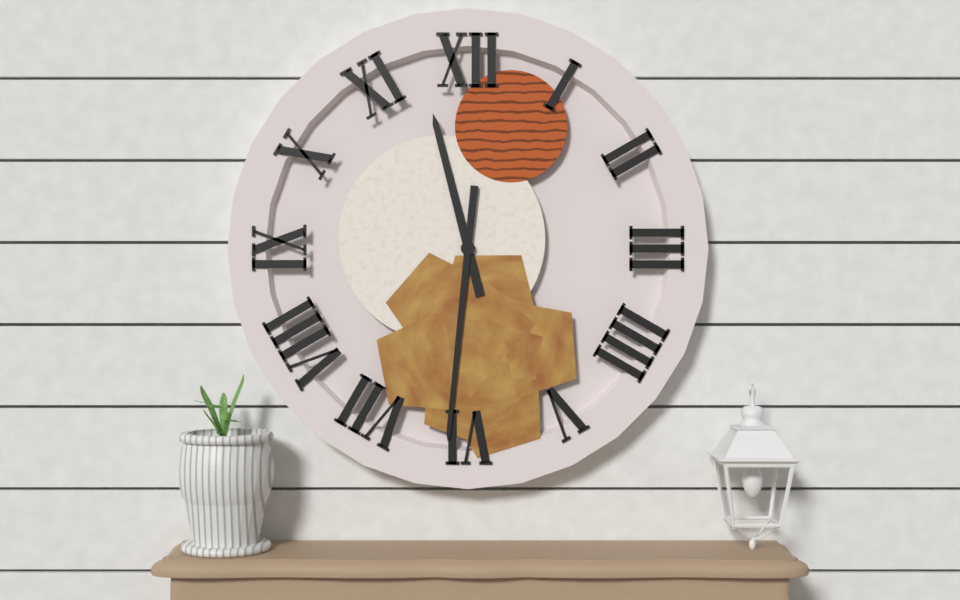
11:31
